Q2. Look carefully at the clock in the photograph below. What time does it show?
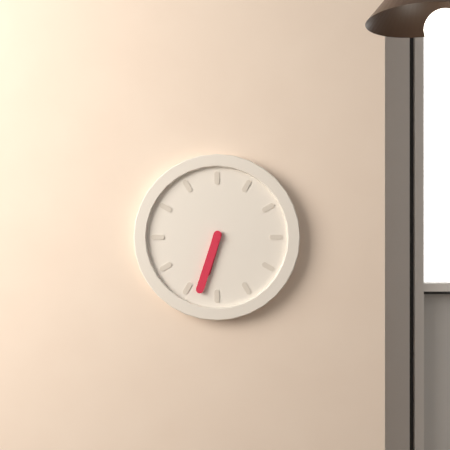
6:33
